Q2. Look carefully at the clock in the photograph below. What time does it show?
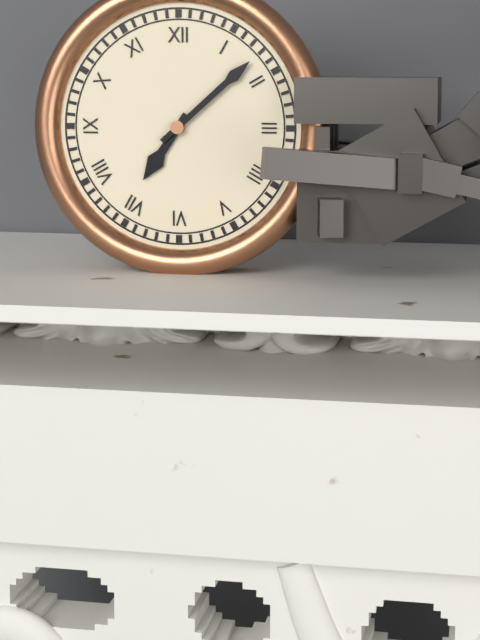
7:08
